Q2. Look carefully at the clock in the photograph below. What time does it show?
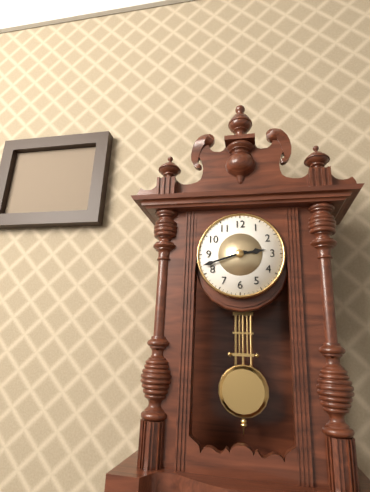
2:42
